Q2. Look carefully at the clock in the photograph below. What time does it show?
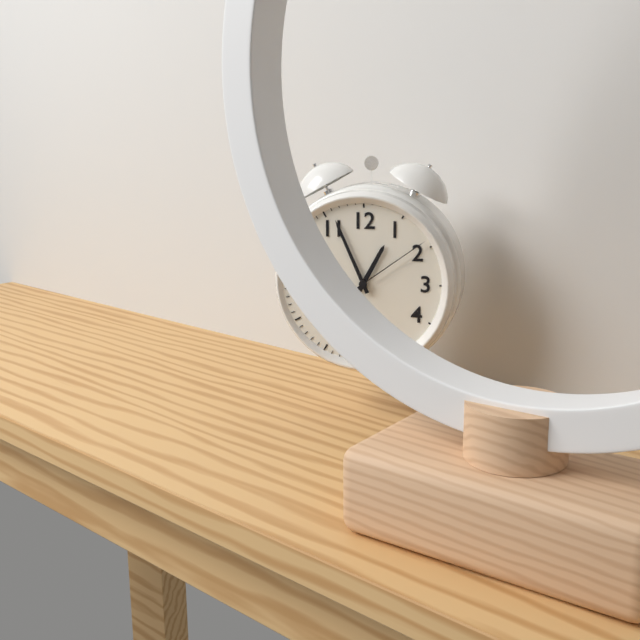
12:56:09
